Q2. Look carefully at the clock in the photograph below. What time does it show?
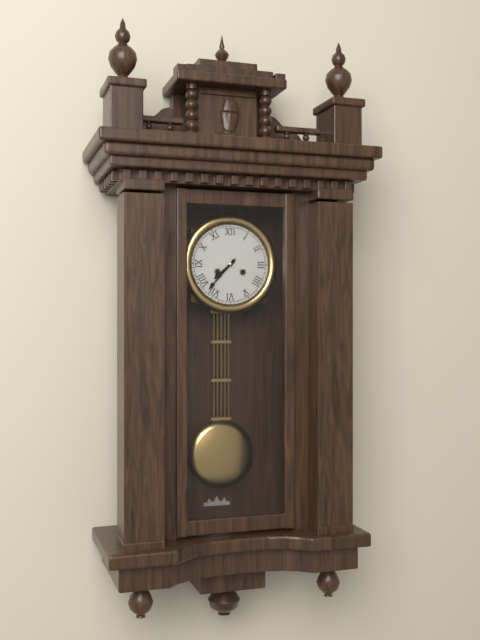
7:37
